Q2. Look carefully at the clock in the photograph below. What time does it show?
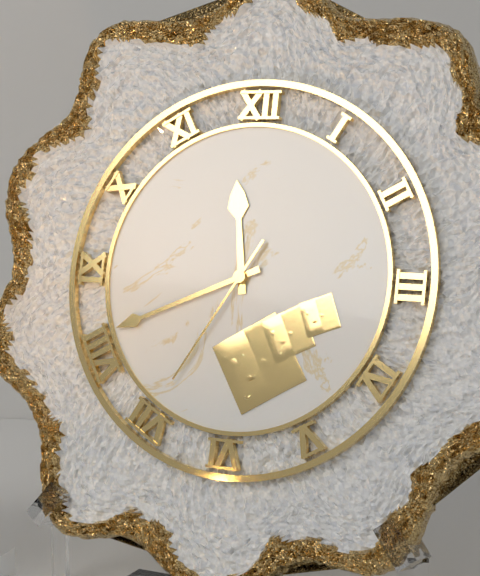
11:41:35
